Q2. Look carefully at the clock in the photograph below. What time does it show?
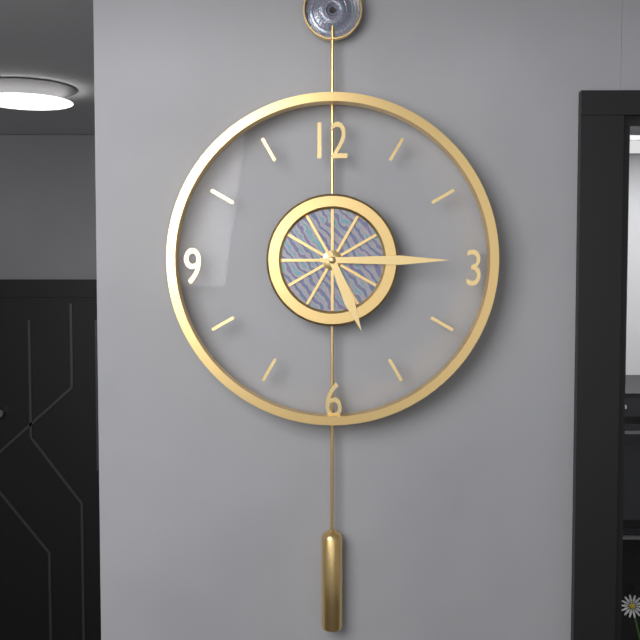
5:15
